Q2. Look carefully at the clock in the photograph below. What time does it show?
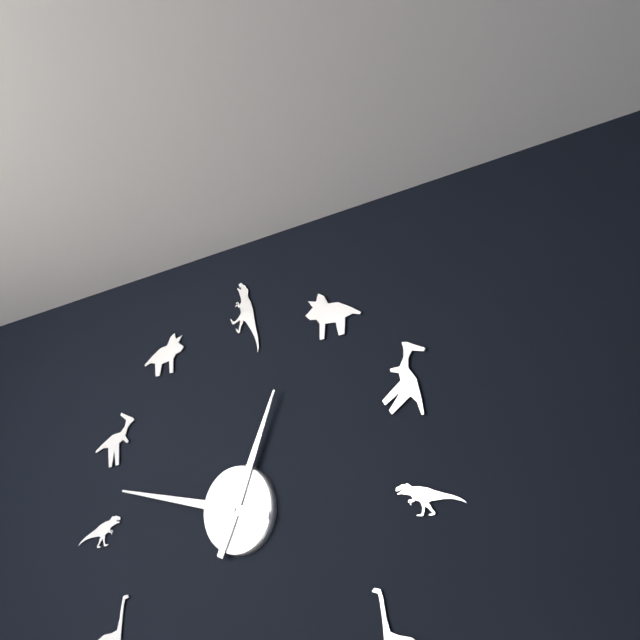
12:47
